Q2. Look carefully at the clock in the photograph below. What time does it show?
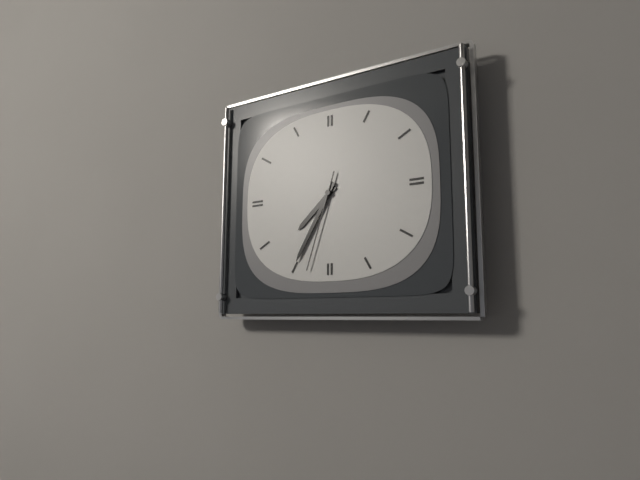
7:35:33
